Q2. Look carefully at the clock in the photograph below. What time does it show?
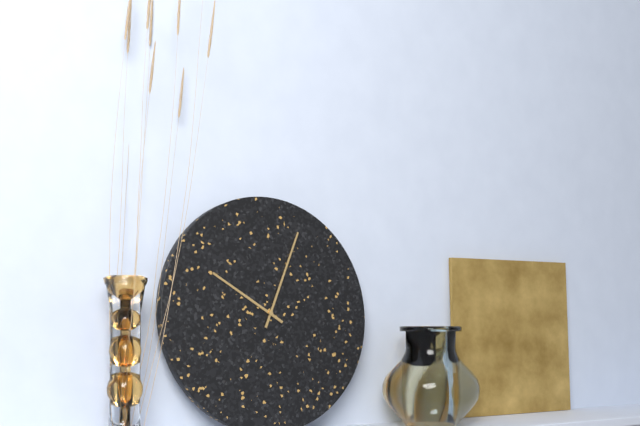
10:04
